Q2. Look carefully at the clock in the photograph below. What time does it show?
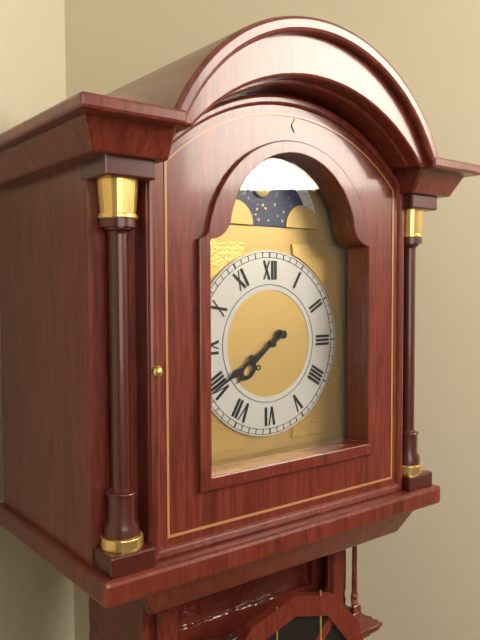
7:40
